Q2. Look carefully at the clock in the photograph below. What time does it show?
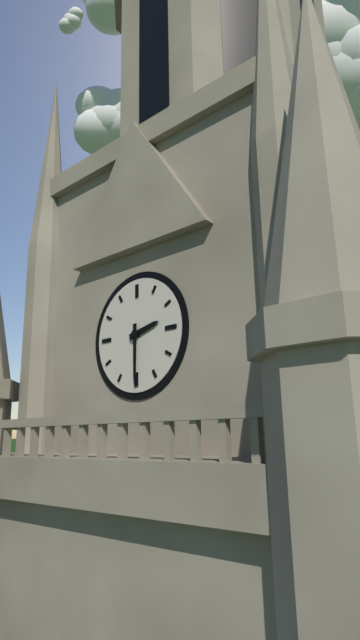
2:30
